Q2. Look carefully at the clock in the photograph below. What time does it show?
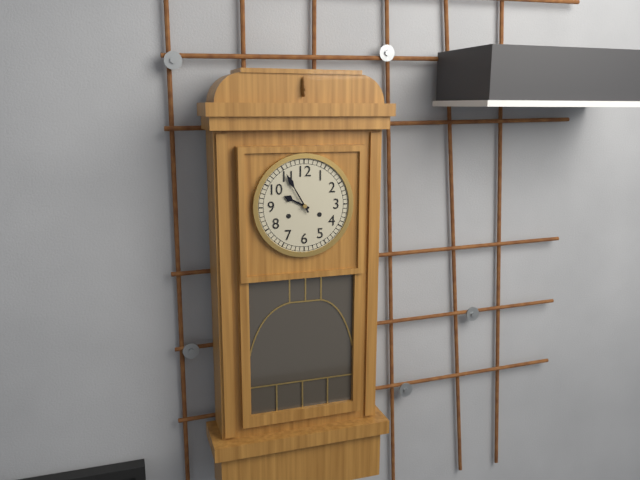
9:55
